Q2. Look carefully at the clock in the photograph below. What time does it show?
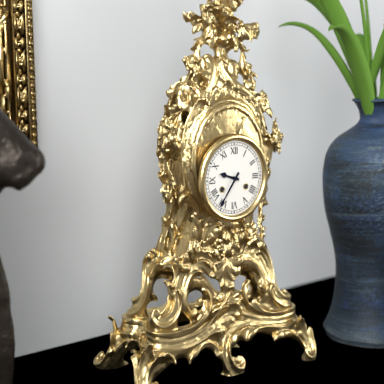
9:36
